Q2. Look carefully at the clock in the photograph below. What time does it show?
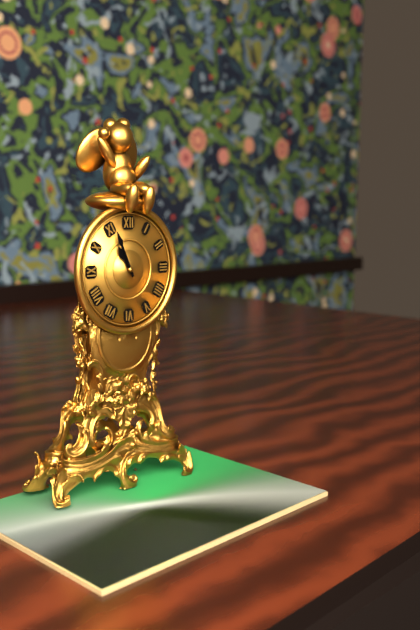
10:56
